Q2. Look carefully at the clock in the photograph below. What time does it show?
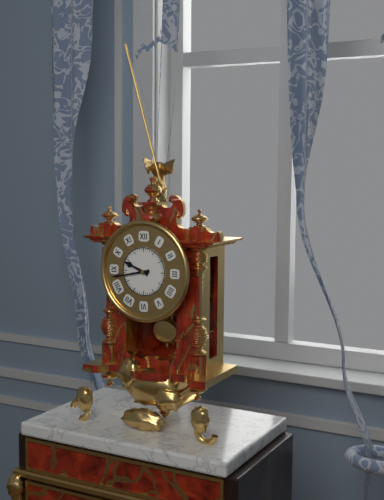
9:43
